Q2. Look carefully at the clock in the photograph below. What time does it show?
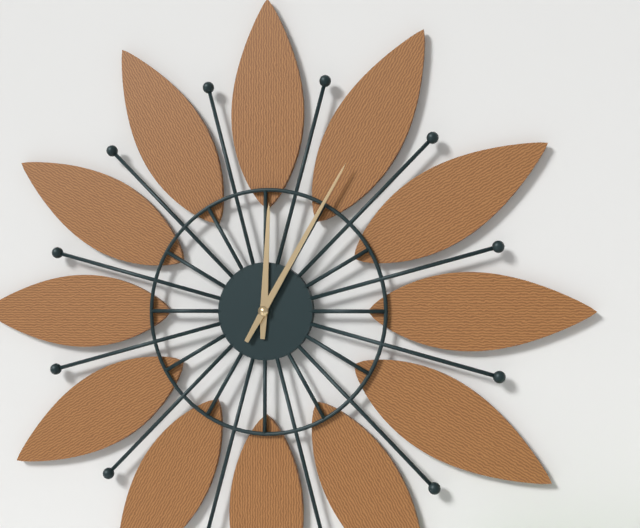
12:05
